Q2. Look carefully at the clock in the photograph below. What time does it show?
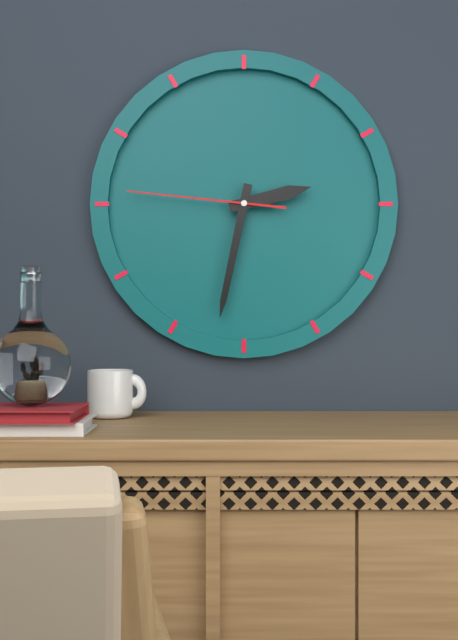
2:32:46
